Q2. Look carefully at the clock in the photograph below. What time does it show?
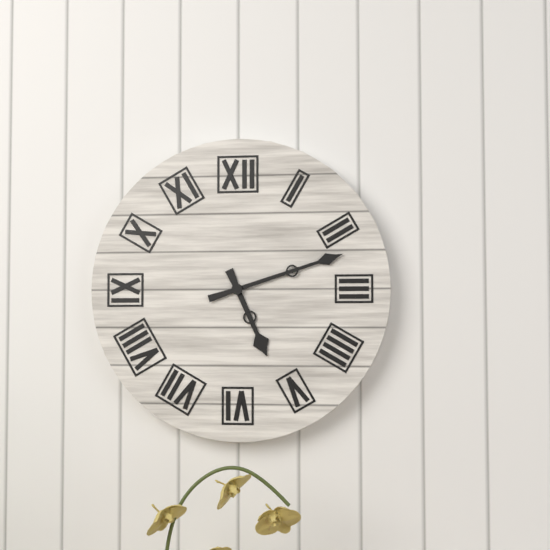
5:12
